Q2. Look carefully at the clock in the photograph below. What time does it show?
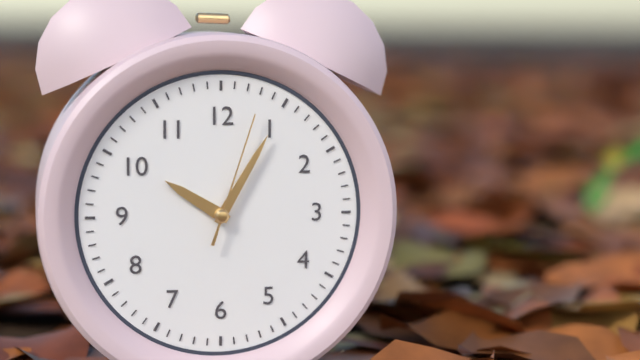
10:05:03
